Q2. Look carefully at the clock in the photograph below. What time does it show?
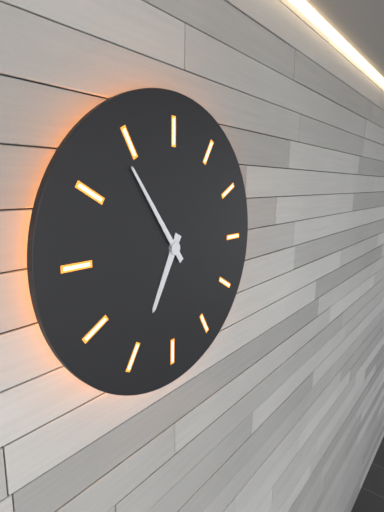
6:54
